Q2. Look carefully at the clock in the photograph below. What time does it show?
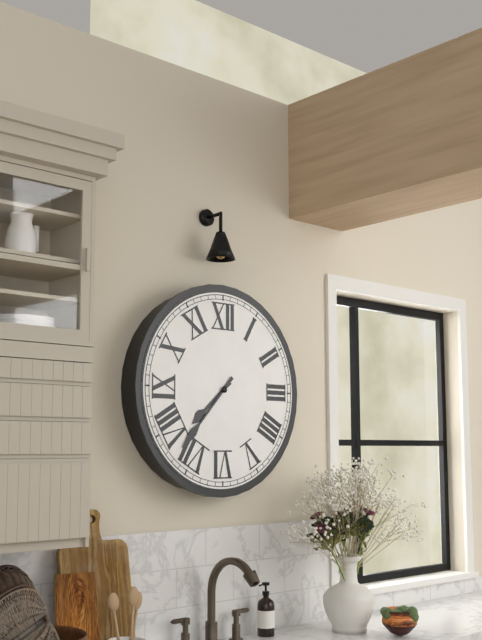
7:37
